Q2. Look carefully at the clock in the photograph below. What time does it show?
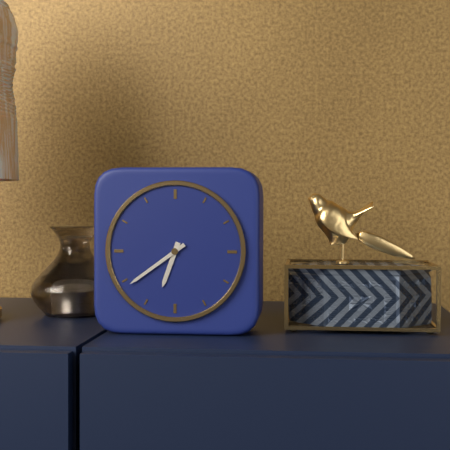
6:39
